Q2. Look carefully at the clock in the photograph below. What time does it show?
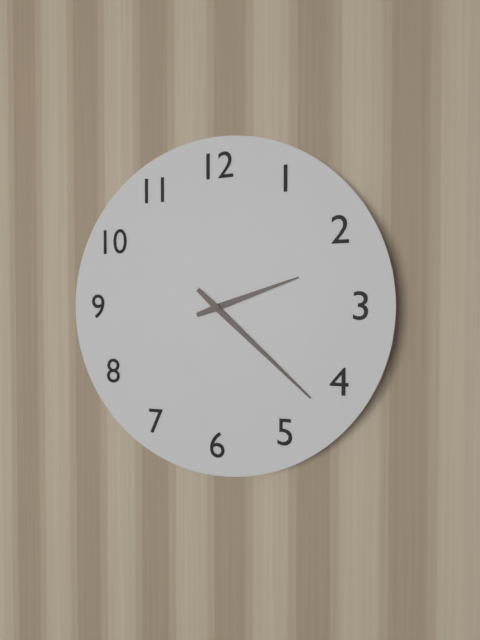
2:22
